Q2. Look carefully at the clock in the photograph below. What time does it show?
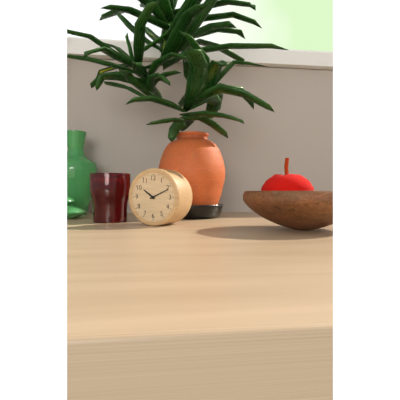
10:11
